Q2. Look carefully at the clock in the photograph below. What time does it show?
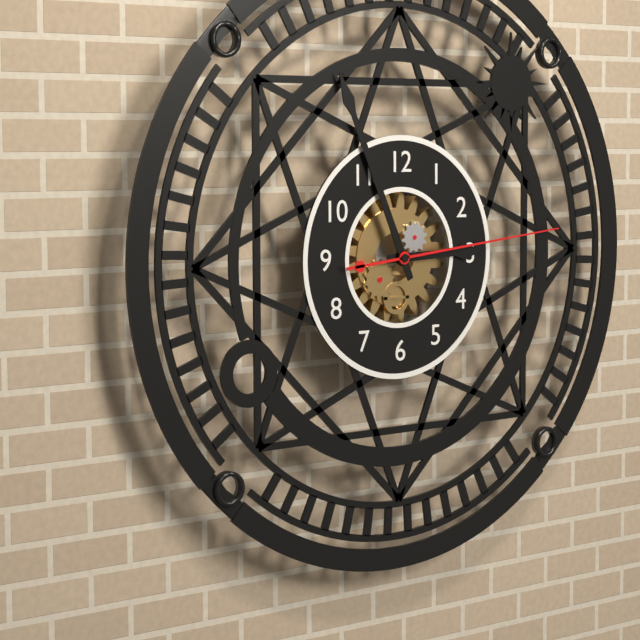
2:56:14
